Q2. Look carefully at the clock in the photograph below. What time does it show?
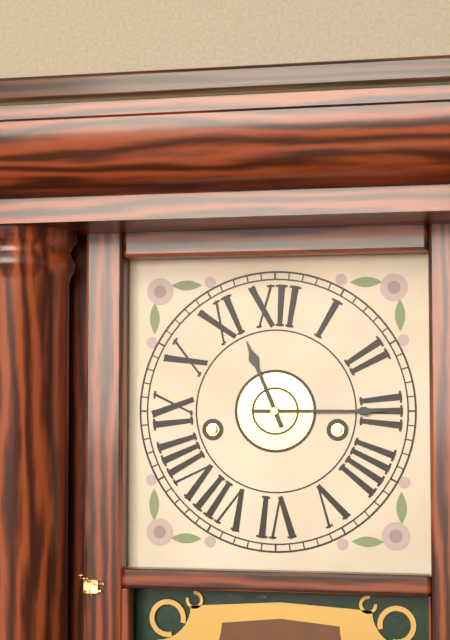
11:15
